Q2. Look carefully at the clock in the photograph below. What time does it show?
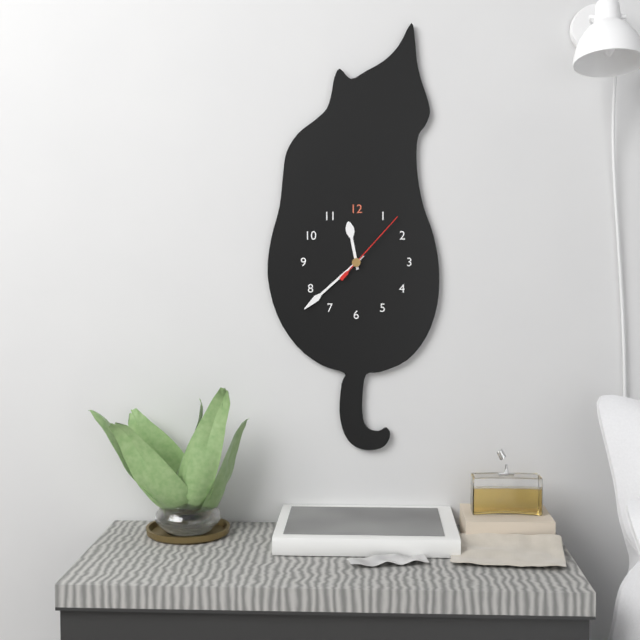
11:38:07
